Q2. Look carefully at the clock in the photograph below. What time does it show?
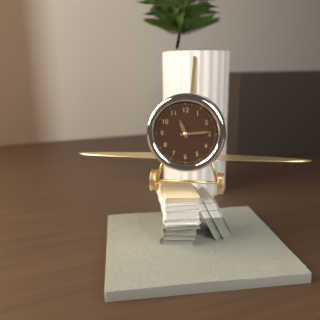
11:14
